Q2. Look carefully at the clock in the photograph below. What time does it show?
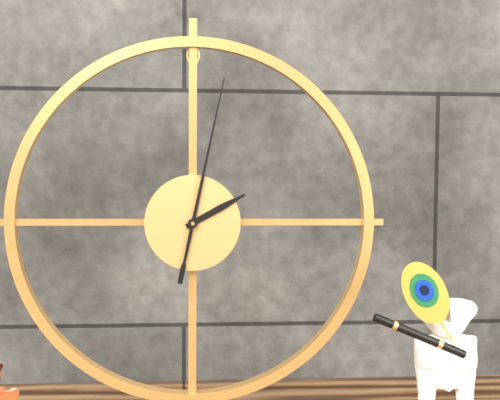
2:02
